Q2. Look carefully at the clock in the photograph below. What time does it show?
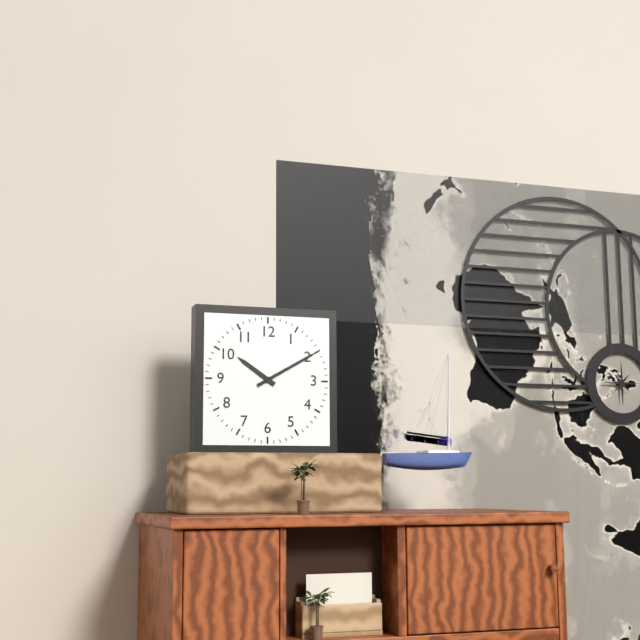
10:10
